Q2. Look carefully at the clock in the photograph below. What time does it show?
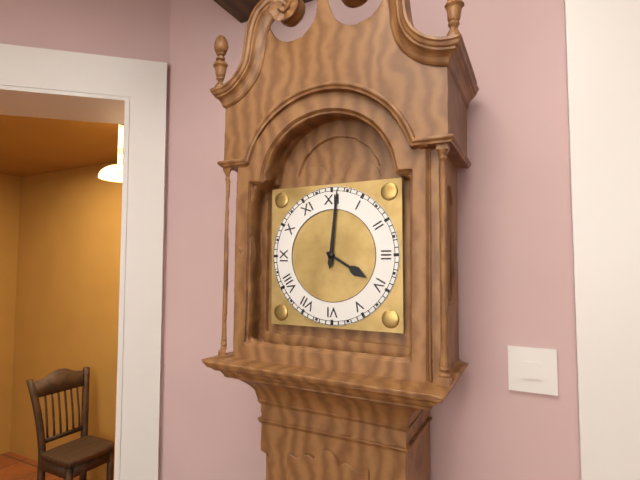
4:01
